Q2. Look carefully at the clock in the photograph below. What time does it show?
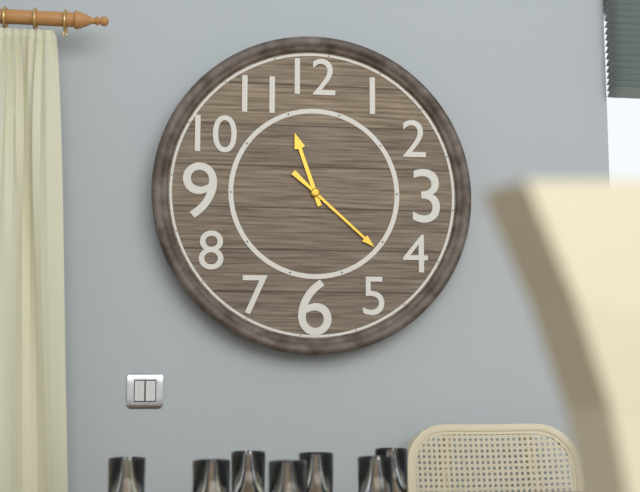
11:22
